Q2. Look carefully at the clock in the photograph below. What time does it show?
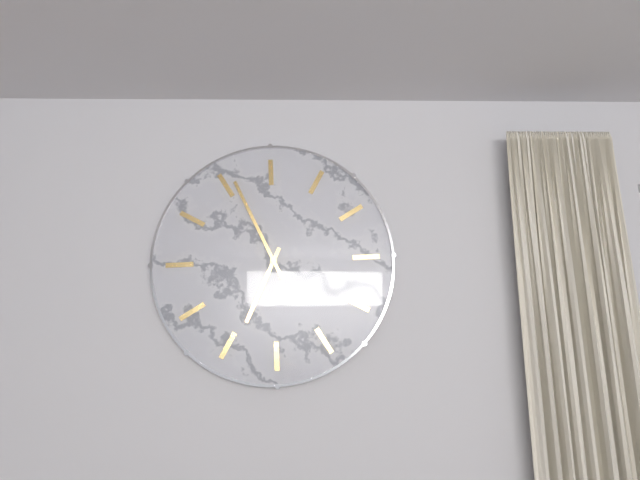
5:51
